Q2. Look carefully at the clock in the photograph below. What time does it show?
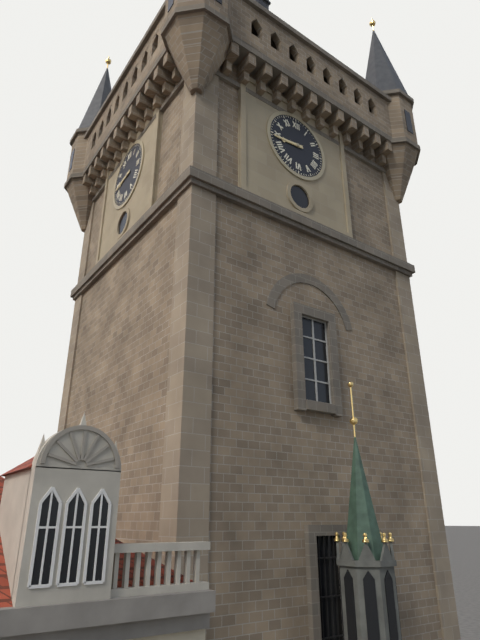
8:44
